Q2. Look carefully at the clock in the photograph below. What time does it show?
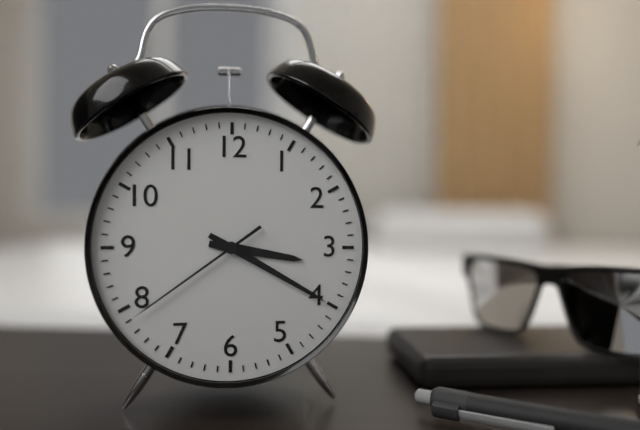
3:20:39
